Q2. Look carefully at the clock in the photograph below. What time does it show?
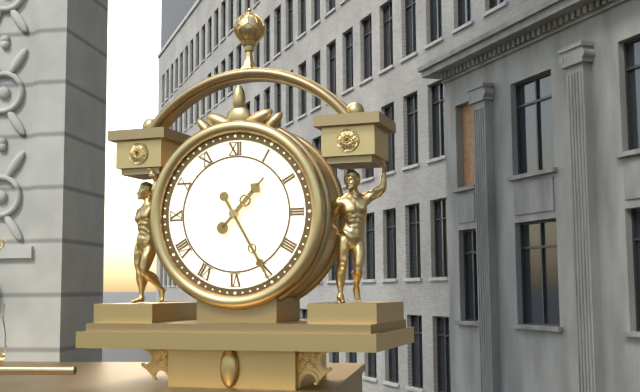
1:25
